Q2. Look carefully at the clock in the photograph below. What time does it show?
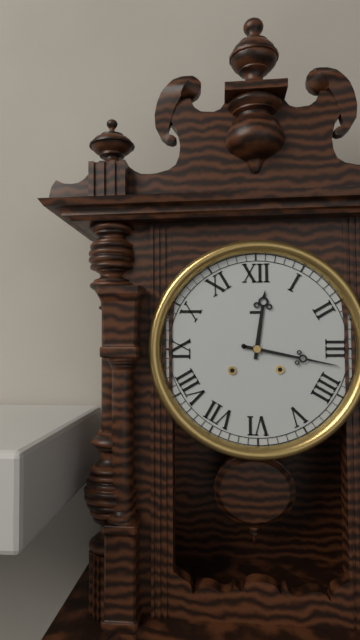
12:17
